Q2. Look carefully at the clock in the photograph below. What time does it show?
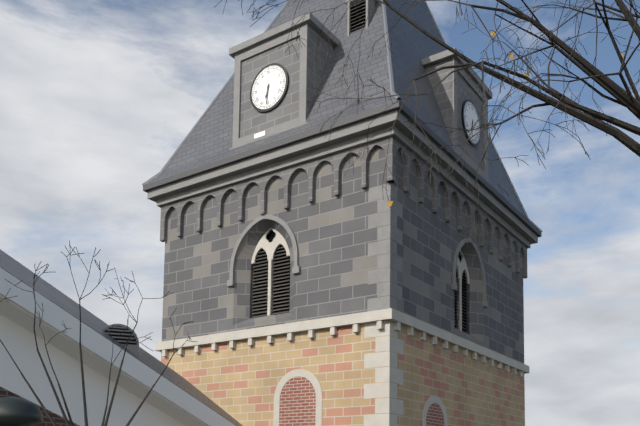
6:31
